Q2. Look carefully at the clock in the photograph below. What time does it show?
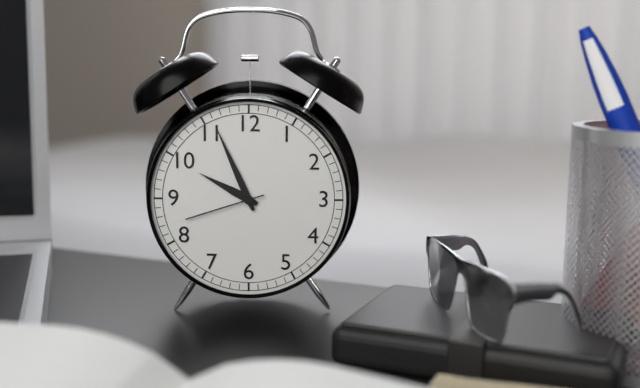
9:56:42
